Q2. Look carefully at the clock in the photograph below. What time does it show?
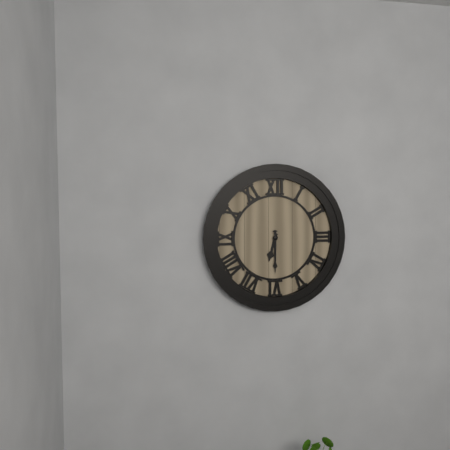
6:30
